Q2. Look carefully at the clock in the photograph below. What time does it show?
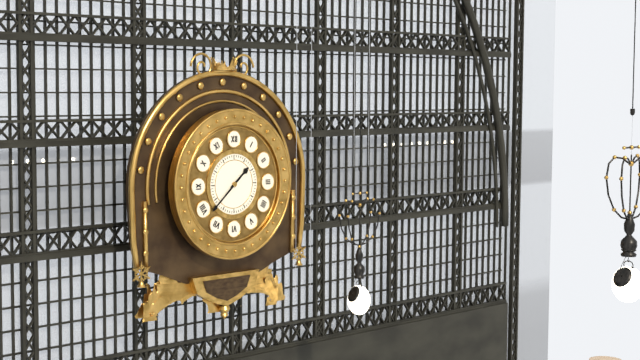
1:38
